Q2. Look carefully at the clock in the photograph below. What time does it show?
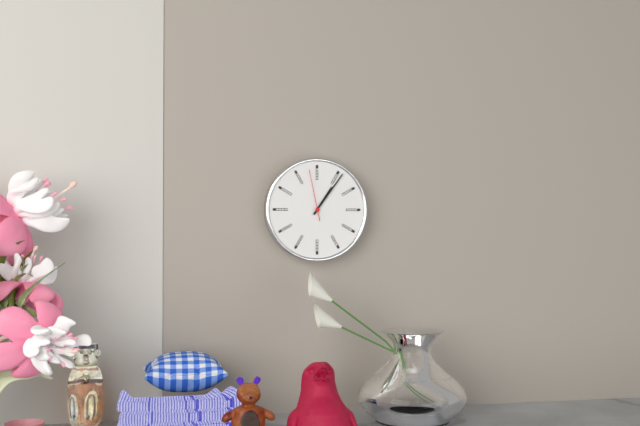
1:06:58
